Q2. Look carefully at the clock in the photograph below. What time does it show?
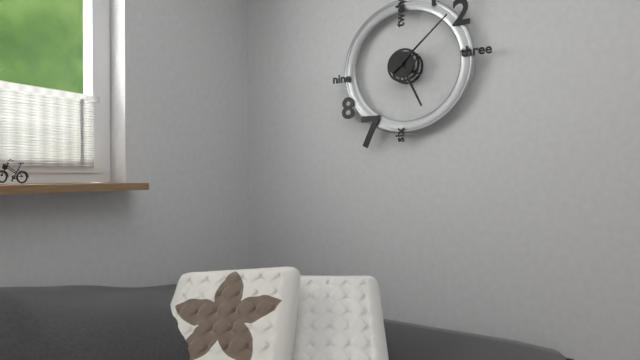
5:08
